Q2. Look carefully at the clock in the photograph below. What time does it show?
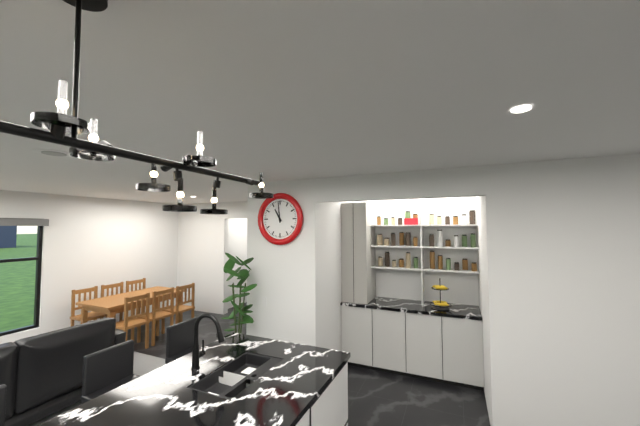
10:59
